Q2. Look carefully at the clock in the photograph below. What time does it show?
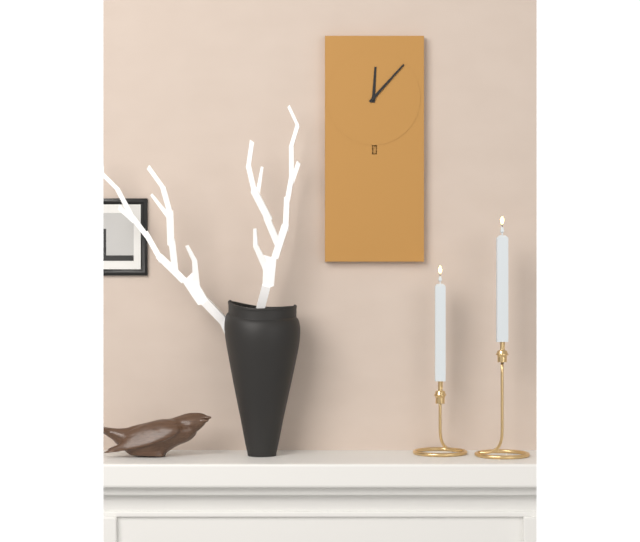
12:07
